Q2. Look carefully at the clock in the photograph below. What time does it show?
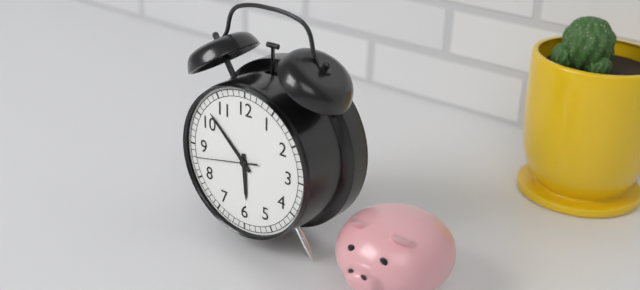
5:52:43
